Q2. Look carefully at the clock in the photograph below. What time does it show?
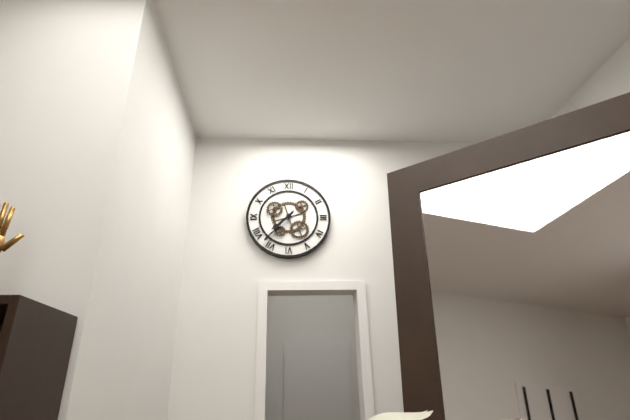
7:37
